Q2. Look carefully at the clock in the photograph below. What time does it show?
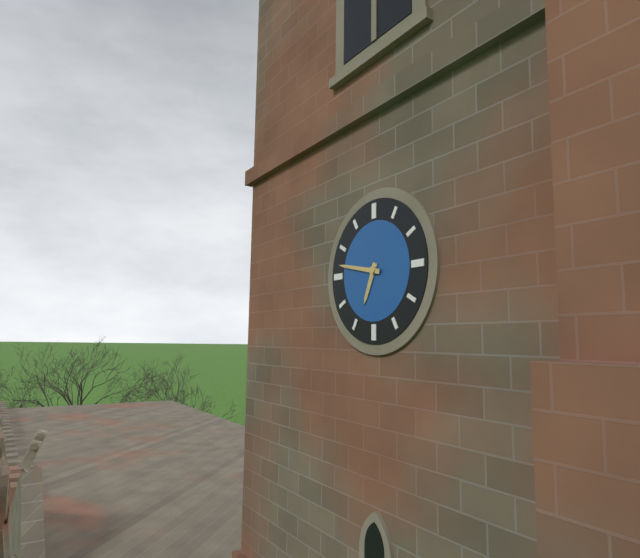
6:47
